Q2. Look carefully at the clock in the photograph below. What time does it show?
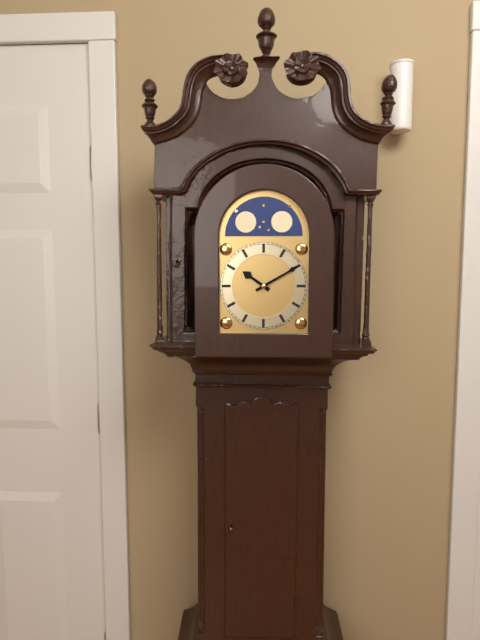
10:10
